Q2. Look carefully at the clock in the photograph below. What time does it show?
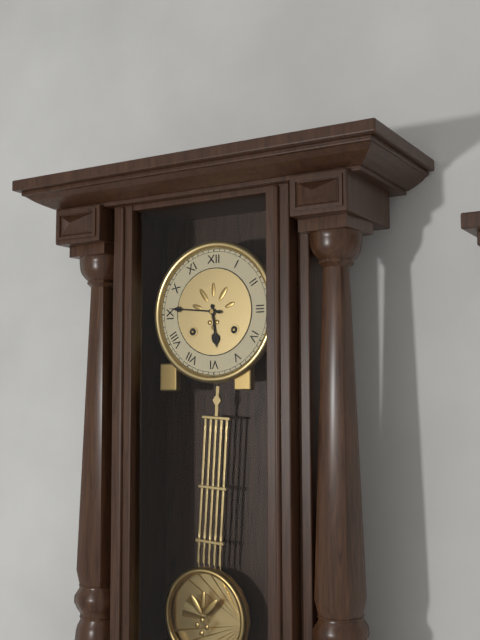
5:46
